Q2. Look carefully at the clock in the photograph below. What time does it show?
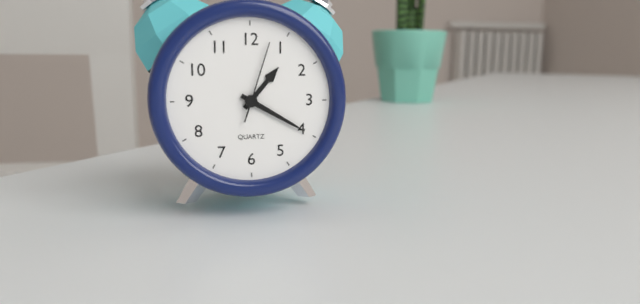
1:20:03
